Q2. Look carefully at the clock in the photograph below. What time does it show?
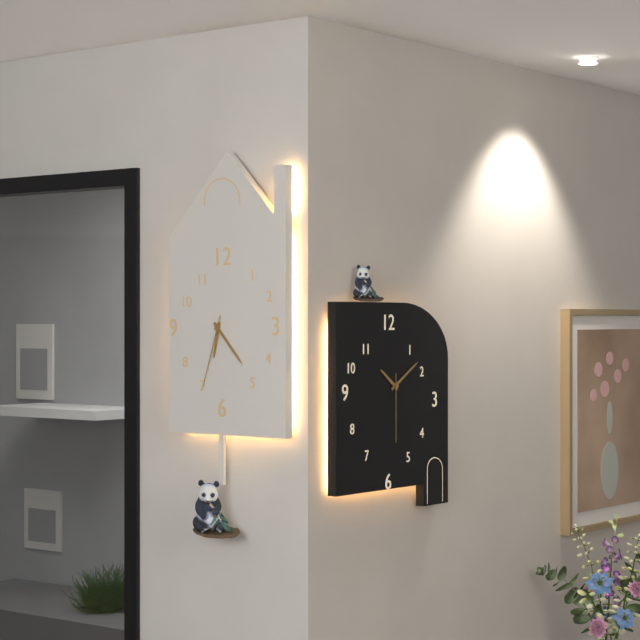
6:23:33
